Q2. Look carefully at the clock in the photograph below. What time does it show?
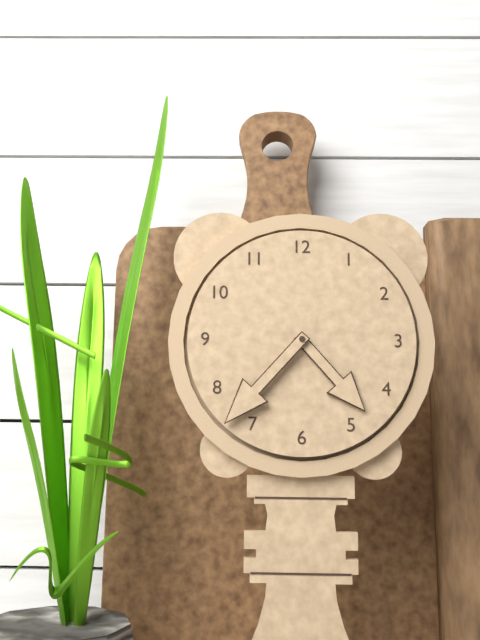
4:37
